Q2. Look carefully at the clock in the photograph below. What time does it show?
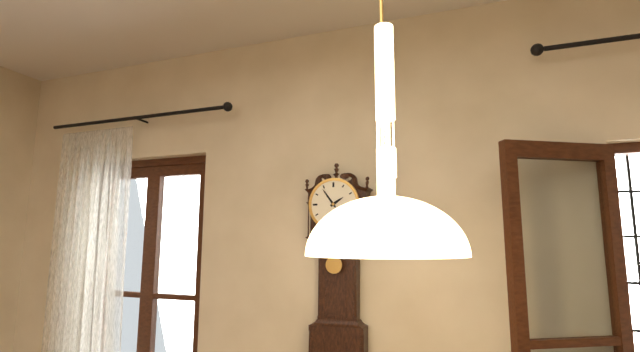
1:54
